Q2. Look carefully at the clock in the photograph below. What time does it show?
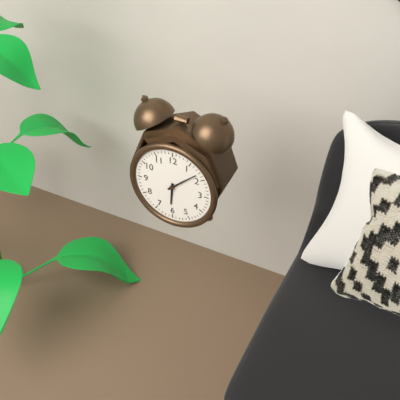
6:08
